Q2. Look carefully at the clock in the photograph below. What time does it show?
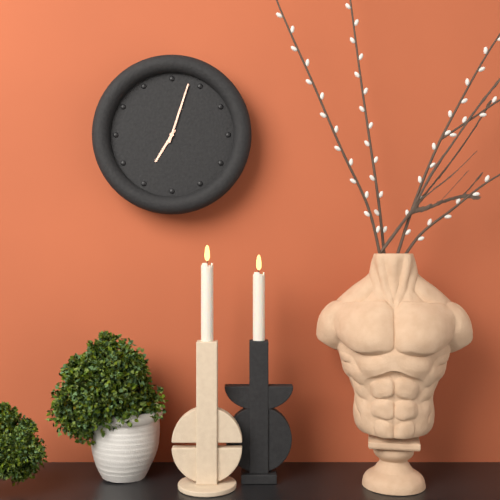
7:03
